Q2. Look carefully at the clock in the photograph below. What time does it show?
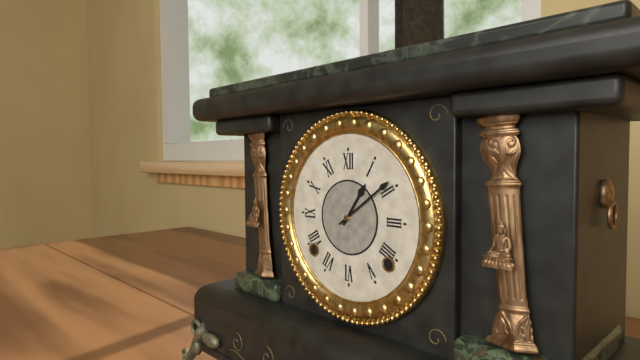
1:09
